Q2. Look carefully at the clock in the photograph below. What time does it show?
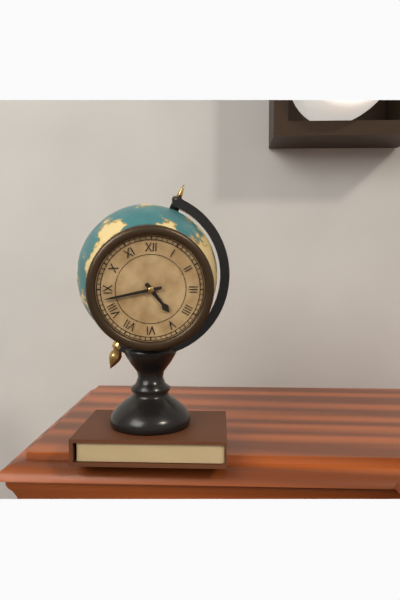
4:43
